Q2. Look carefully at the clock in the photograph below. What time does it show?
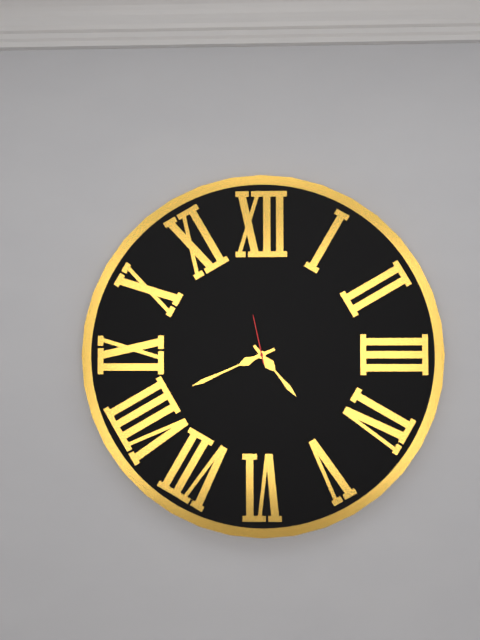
4:41:58
